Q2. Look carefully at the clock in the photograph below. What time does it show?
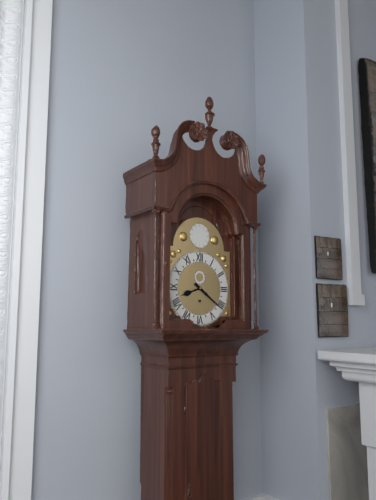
8:21
